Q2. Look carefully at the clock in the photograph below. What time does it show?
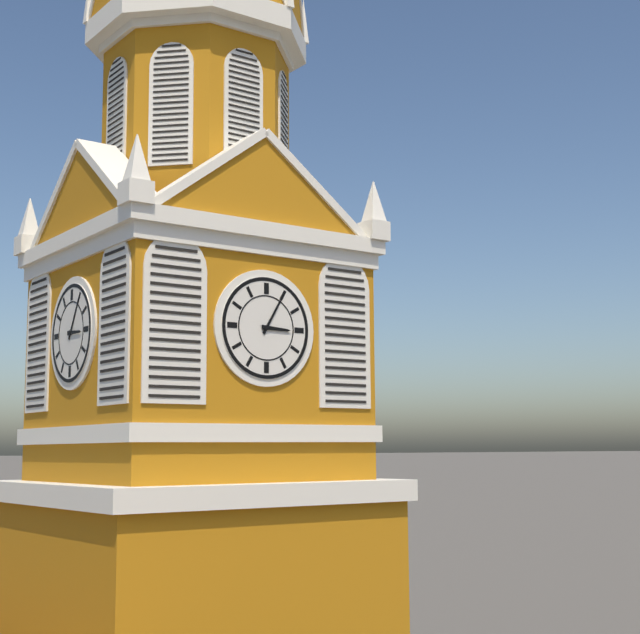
3:05
